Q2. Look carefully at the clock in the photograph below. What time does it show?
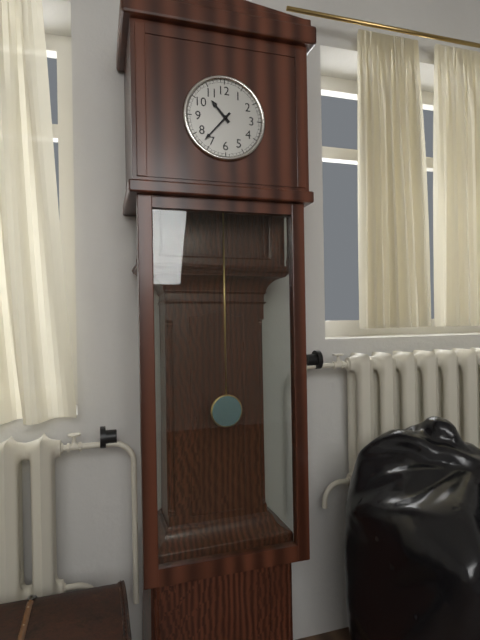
10:37
